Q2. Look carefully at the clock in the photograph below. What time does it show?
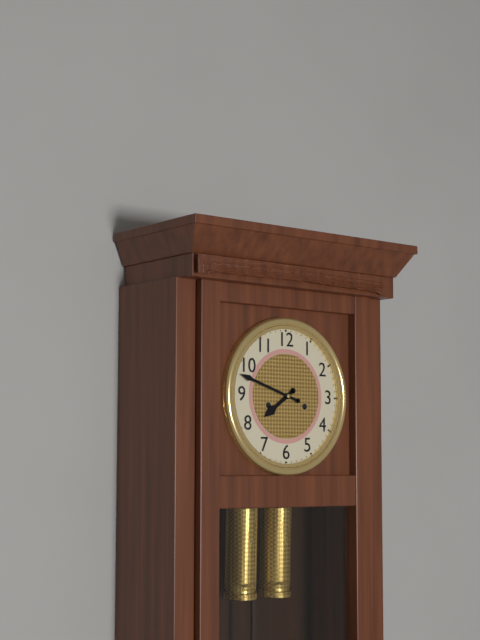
7:48
